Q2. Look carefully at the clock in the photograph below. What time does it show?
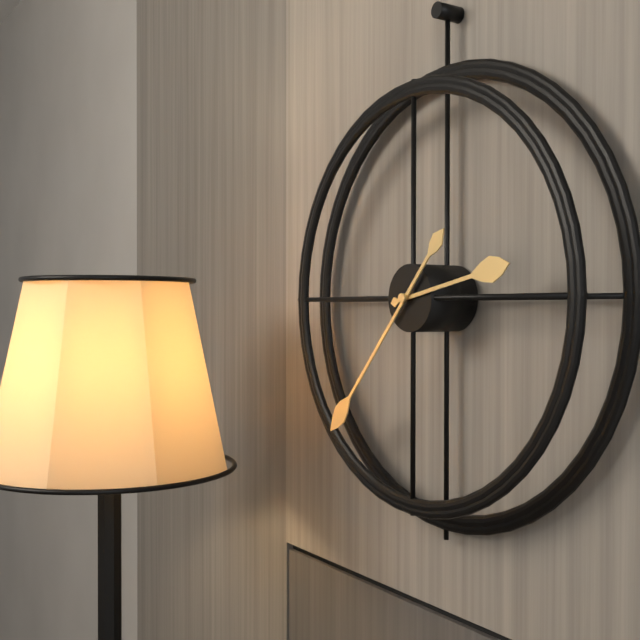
2:37
